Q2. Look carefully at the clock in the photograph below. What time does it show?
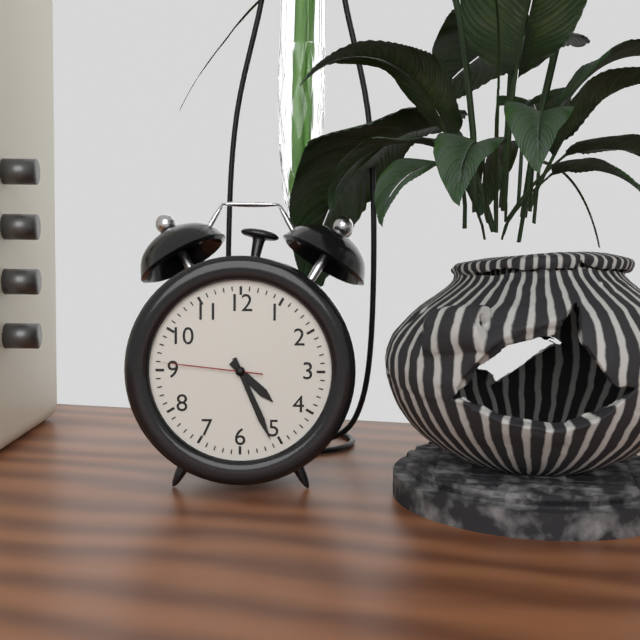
4:26:46
